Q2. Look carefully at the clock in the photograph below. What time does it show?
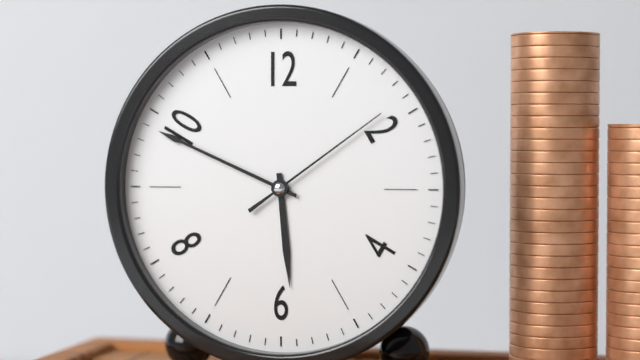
5:49:09
